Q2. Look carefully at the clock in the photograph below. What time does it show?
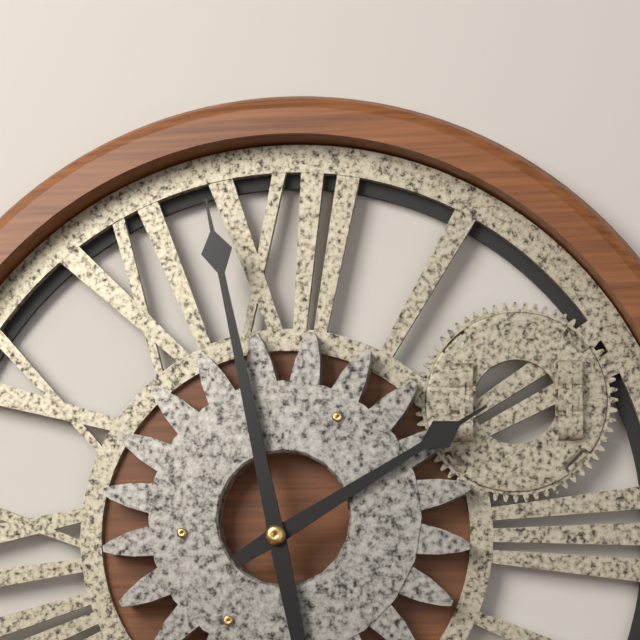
1:58
